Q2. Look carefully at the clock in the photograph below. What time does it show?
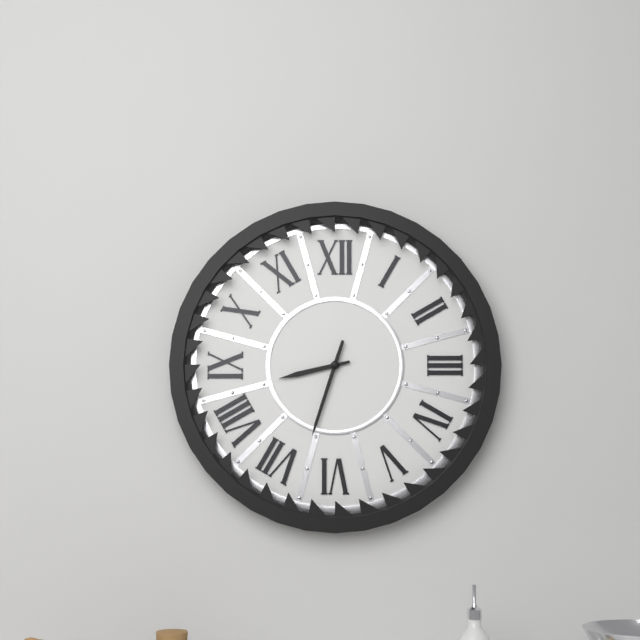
8:33
